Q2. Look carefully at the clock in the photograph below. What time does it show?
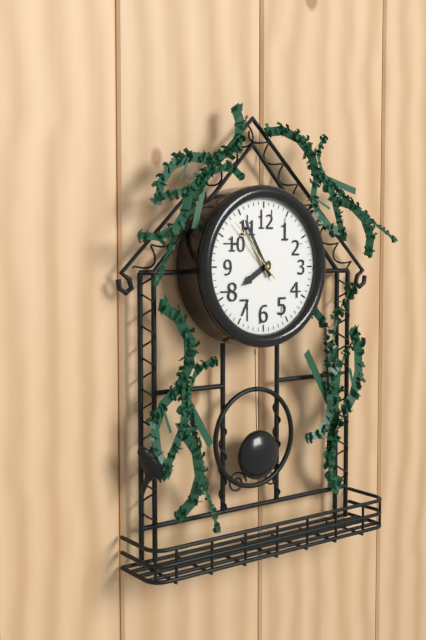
7:55:53
